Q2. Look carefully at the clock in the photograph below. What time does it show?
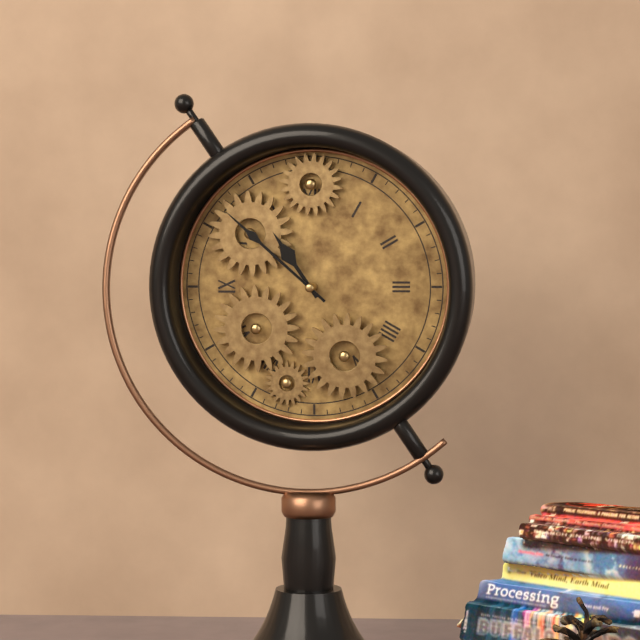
10:52
